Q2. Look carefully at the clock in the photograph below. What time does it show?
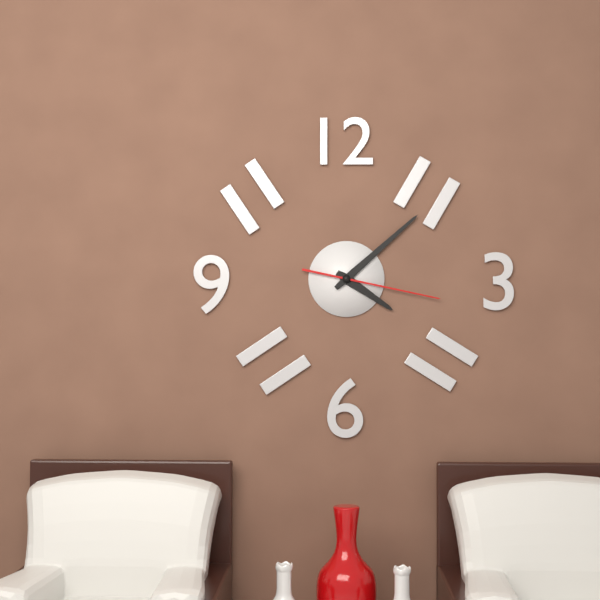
4:08:17
